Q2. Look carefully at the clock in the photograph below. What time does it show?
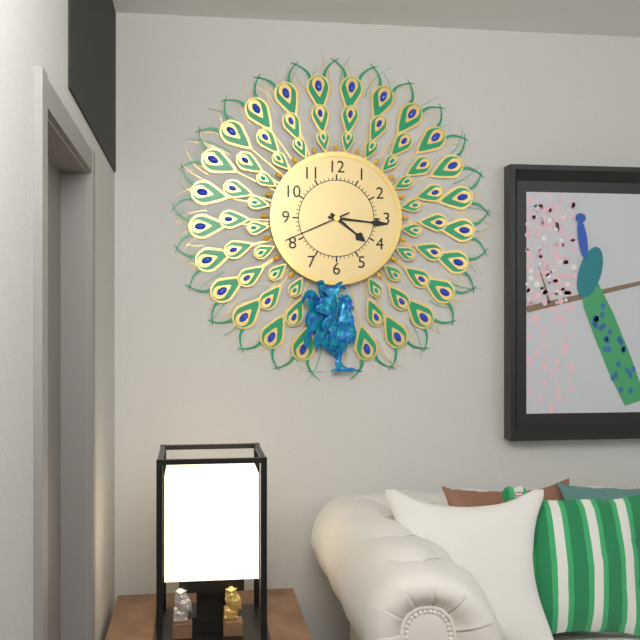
4:16:41
